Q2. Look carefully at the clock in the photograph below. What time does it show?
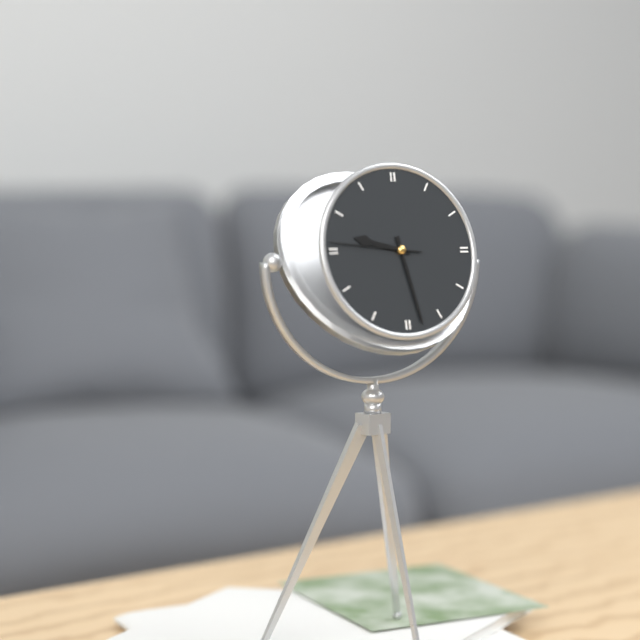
9:28:46
